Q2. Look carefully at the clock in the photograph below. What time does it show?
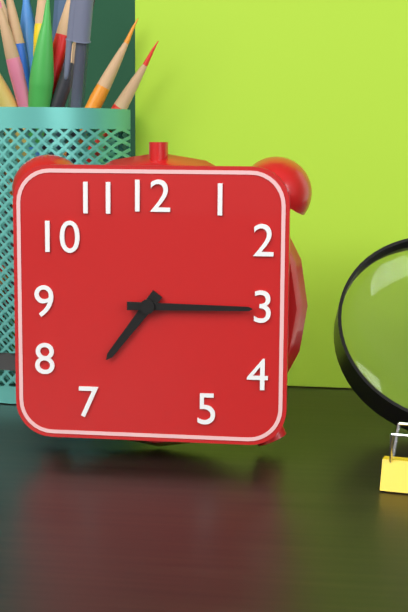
7:15
